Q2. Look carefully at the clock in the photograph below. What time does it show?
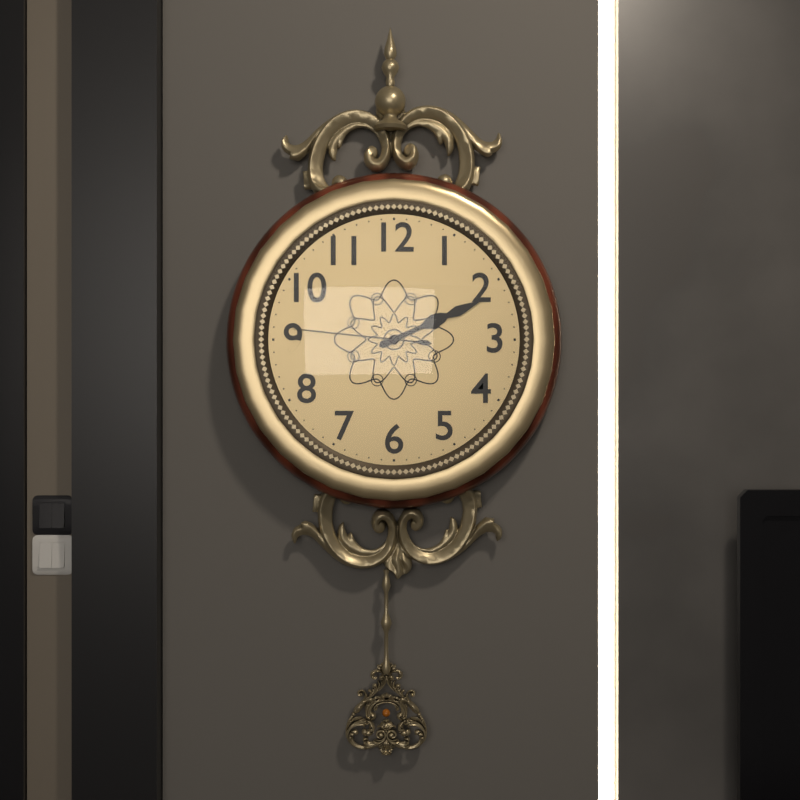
2:11:46
